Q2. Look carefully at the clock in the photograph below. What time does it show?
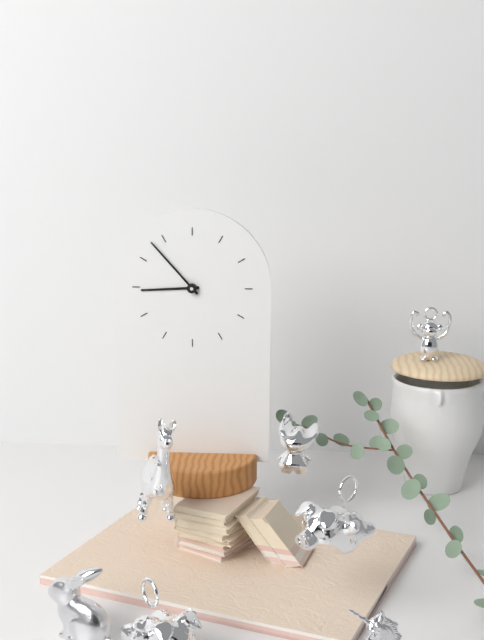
8:53
